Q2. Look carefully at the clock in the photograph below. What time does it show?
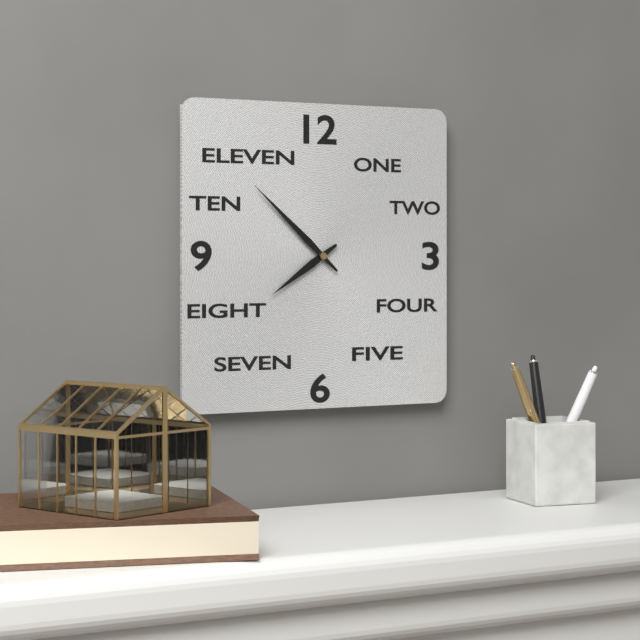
7:52
